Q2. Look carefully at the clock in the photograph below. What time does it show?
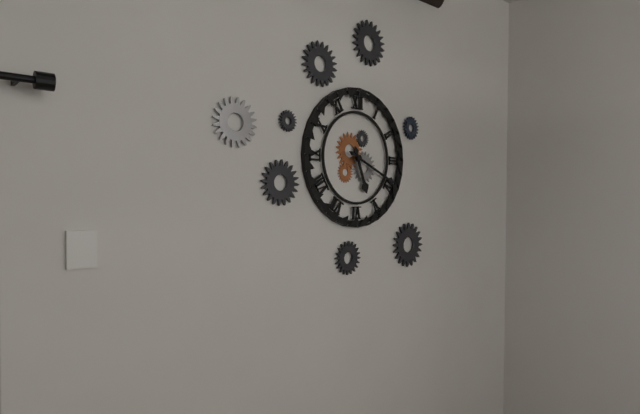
5:19
